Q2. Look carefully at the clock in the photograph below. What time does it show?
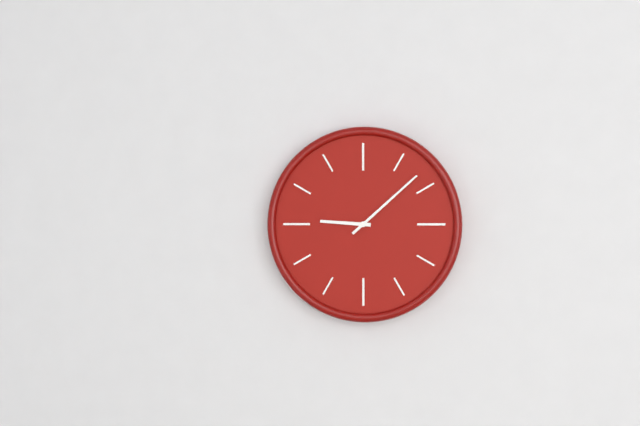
9:08
